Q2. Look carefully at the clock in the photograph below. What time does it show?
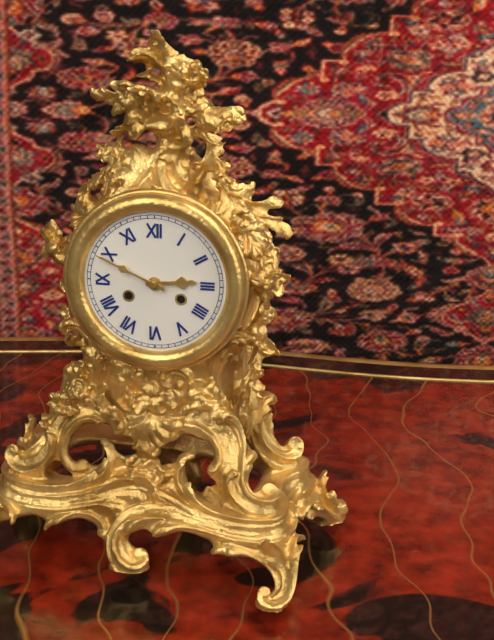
2:49
